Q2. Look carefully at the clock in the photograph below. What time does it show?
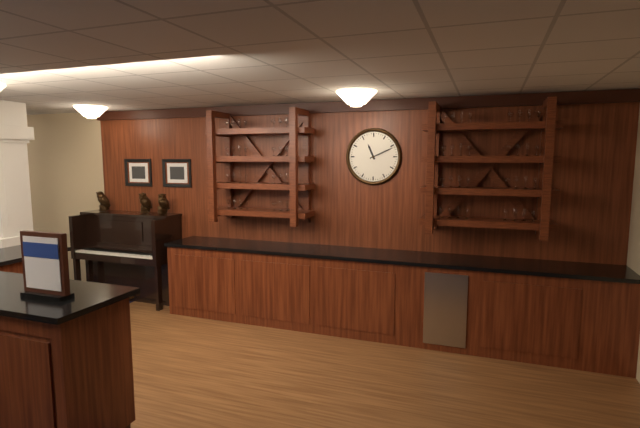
11:11
